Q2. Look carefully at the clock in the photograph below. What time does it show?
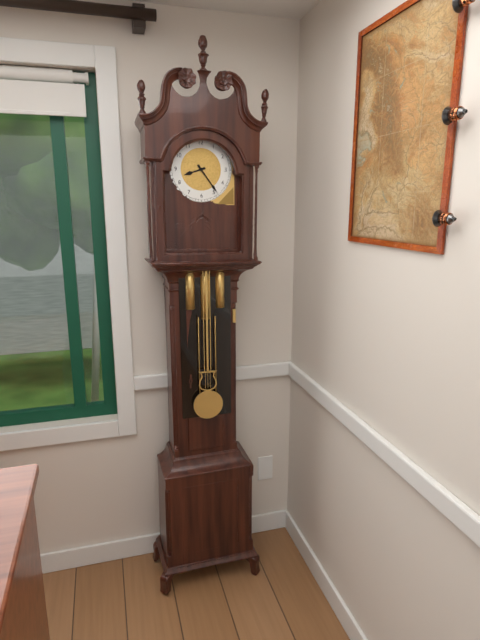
8:24
